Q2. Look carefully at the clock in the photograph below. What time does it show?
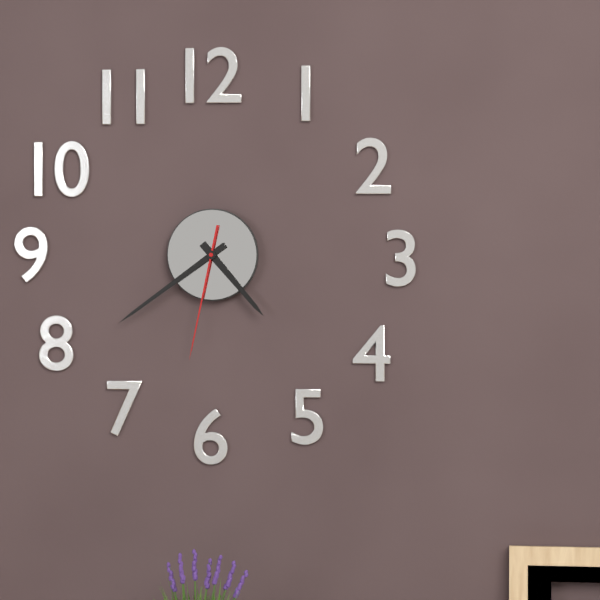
4:39:32
